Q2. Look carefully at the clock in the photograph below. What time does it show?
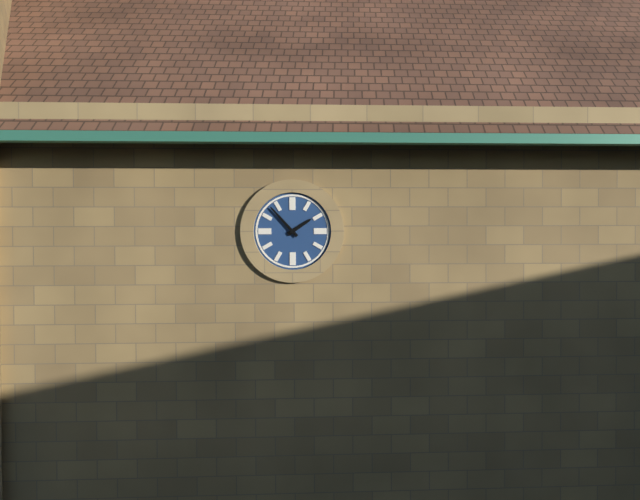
1:53
